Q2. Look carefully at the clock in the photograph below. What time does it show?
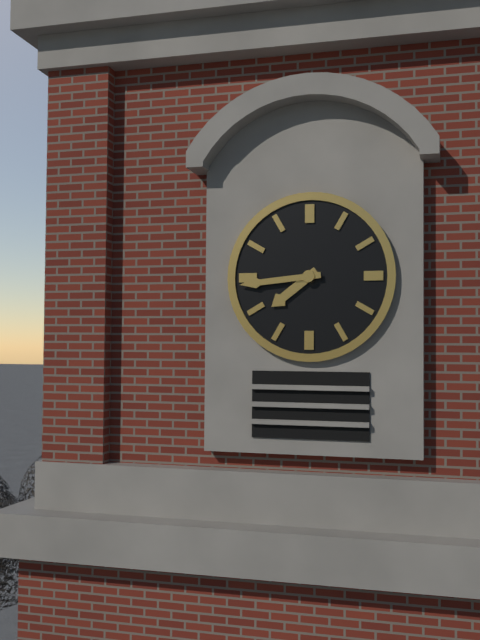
7:44
